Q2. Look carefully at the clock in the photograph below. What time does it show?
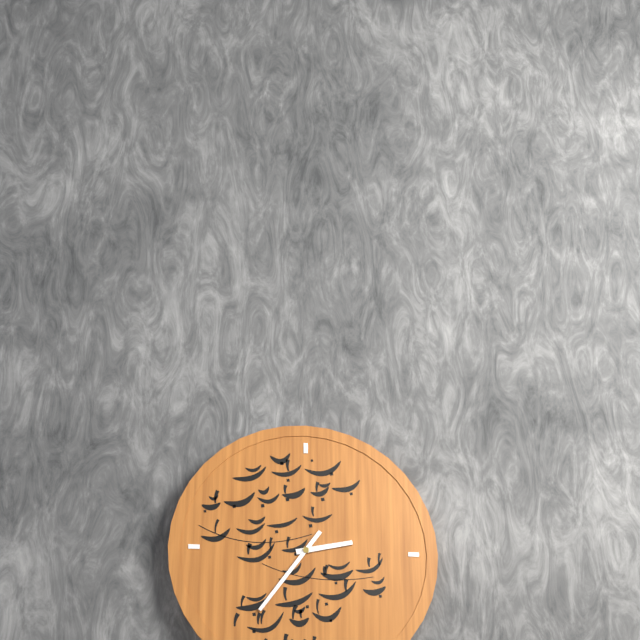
2:36
